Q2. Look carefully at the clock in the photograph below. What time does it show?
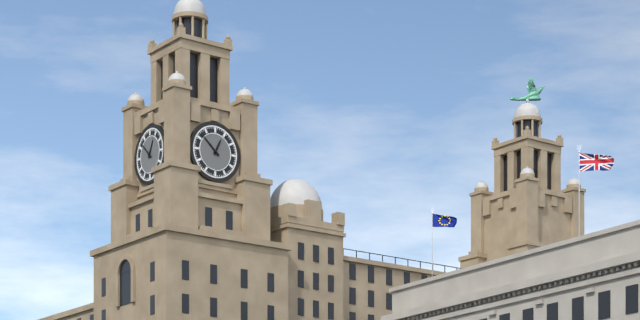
12:52
